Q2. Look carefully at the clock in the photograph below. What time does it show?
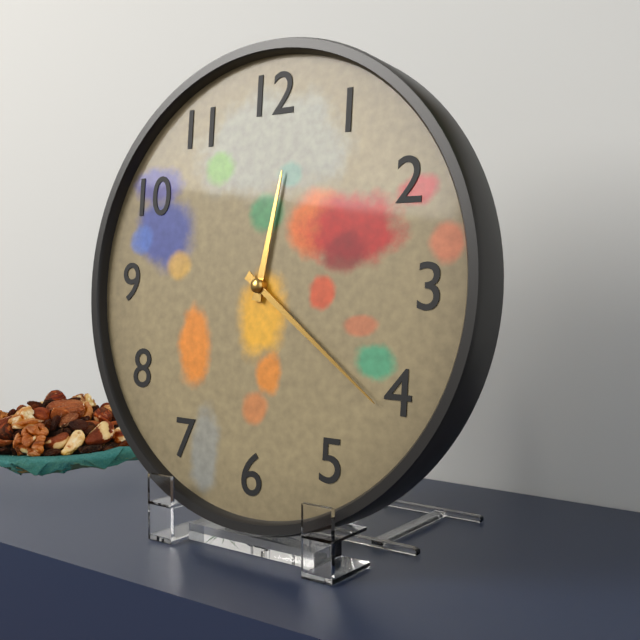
12:21
